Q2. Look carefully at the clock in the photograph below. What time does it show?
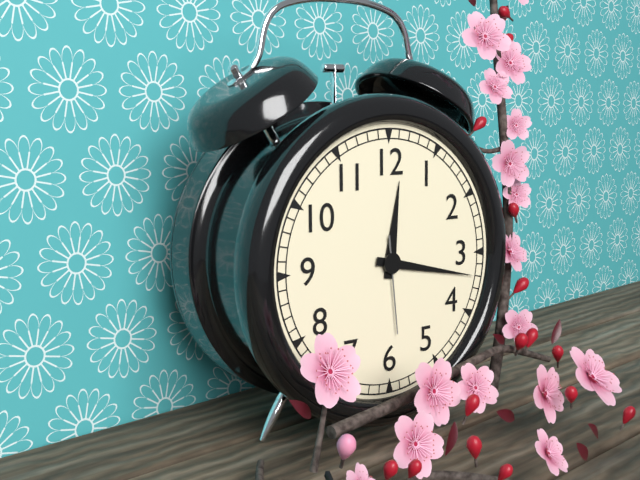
12:17:29
